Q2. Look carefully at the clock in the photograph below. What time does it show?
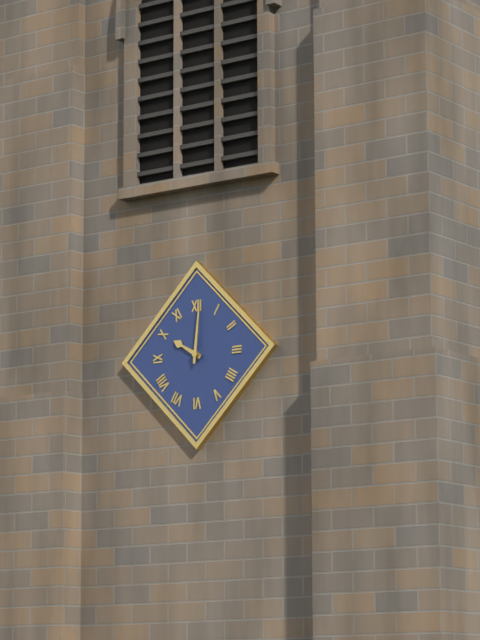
10:01
